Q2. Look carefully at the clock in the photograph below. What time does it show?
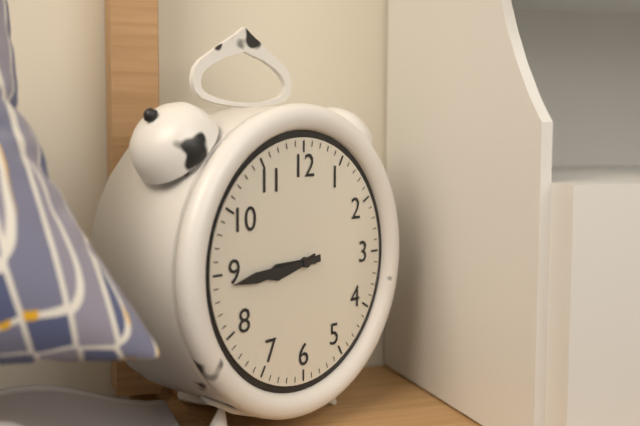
8:44
